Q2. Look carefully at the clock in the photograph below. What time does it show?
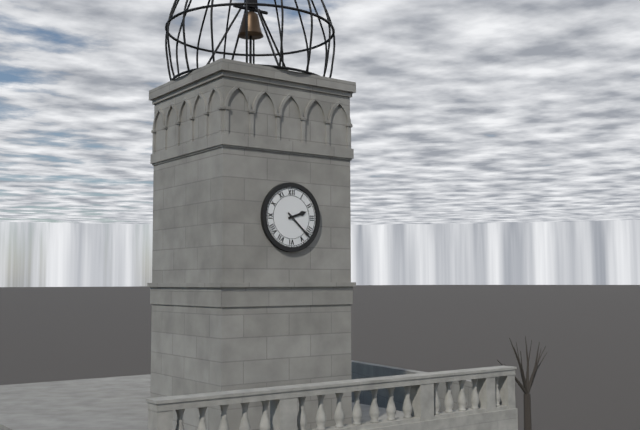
2:22
